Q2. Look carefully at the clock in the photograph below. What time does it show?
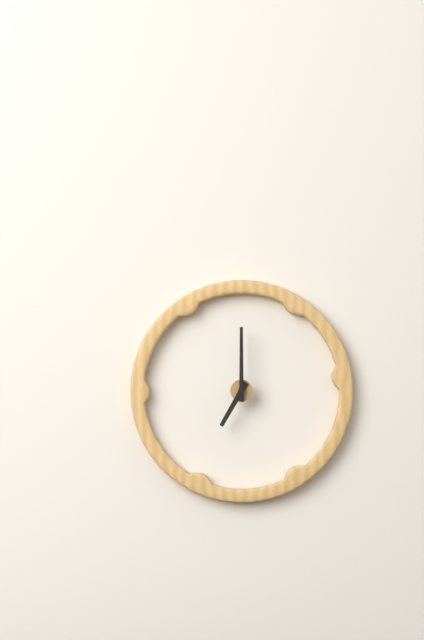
7:00
